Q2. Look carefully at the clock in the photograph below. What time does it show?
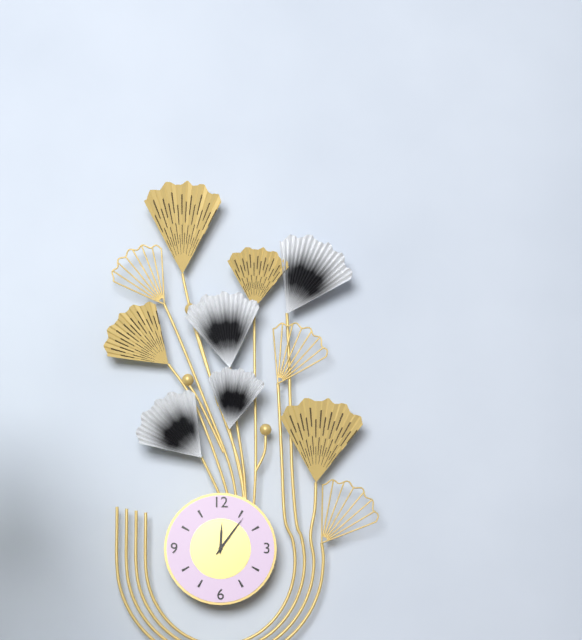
12:06
